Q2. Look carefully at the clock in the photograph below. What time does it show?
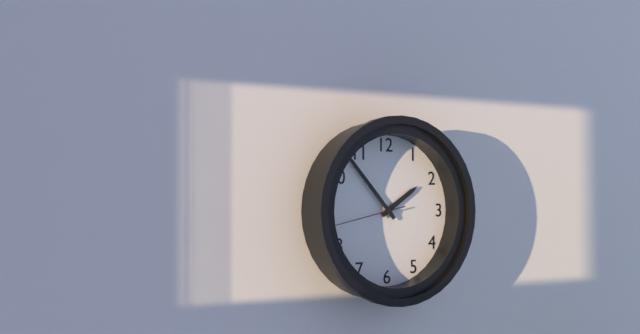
1:53:43
